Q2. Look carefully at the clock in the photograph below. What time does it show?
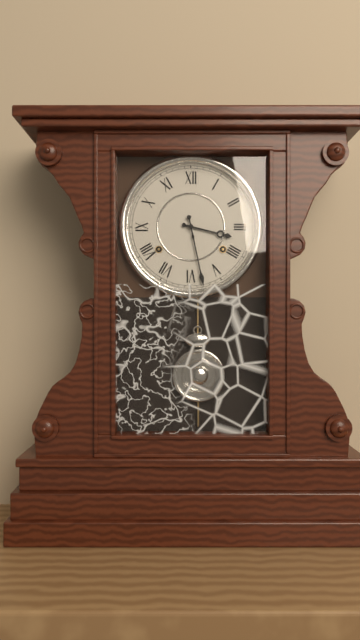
3:28
